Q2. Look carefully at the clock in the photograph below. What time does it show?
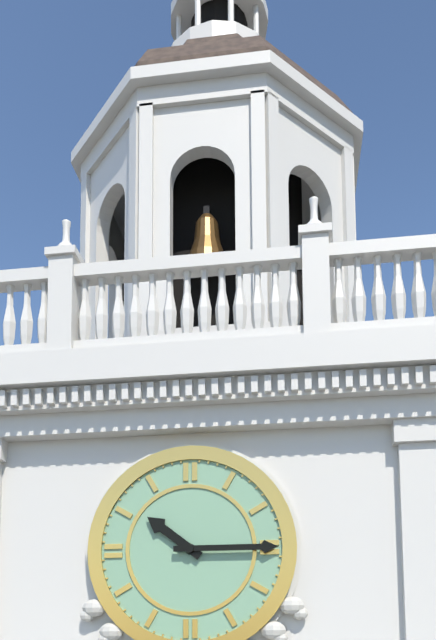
10:15
